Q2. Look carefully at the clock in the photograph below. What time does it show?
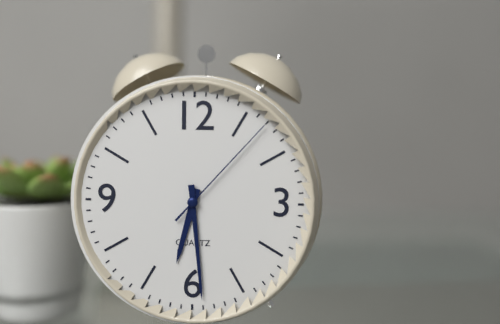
6:29:07
